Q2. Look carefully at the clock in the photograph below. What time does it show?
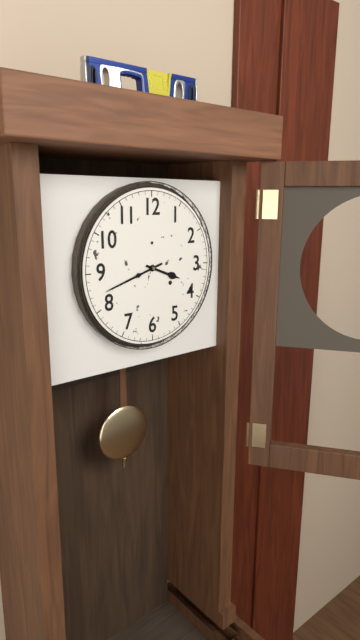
3:42
